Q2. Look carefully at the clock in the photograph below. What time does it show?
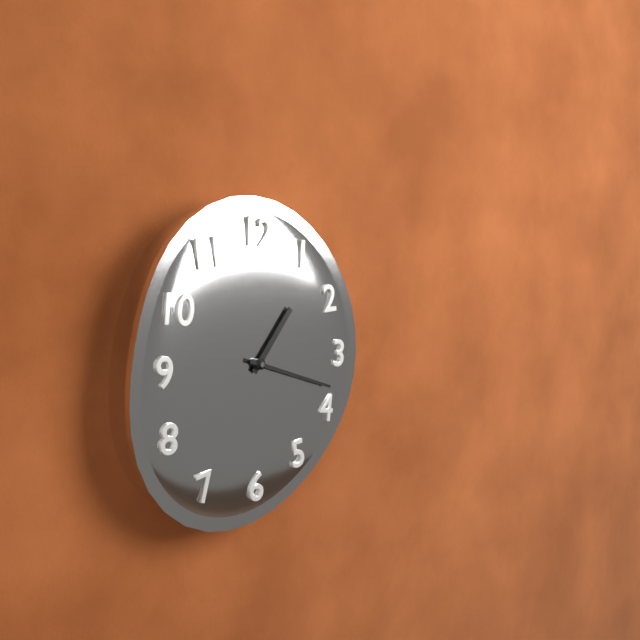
1:18
